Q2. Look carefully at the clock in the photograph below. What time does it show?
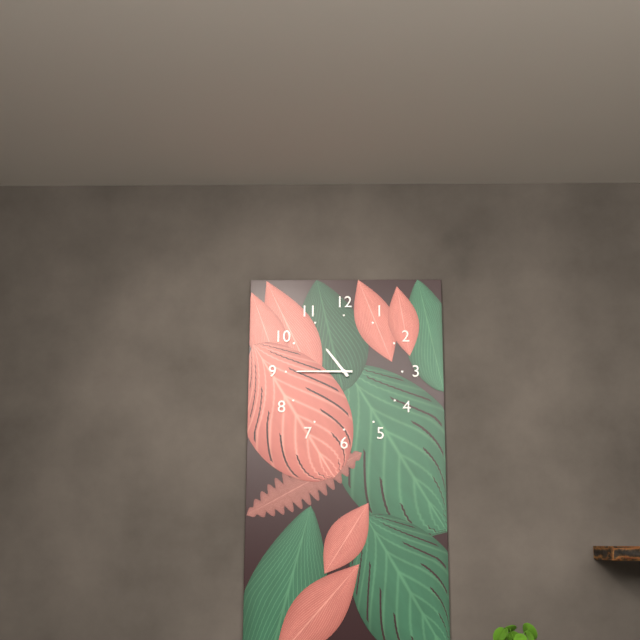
10:45
